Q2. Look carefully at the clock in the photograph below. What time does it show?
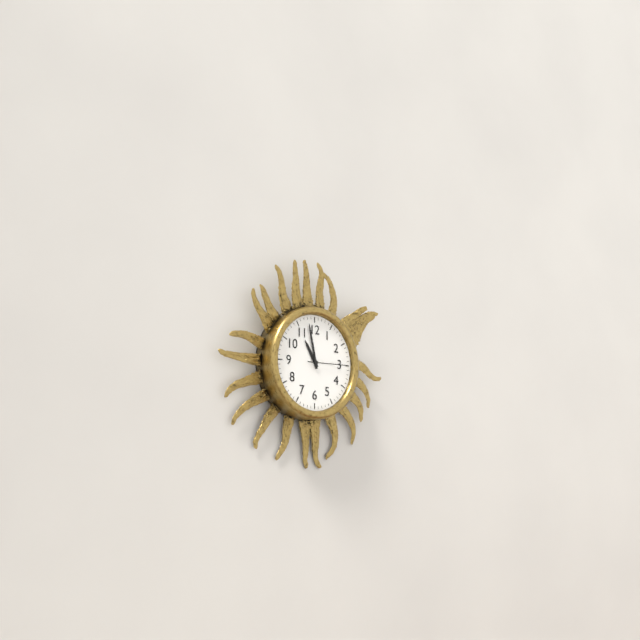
10:58
